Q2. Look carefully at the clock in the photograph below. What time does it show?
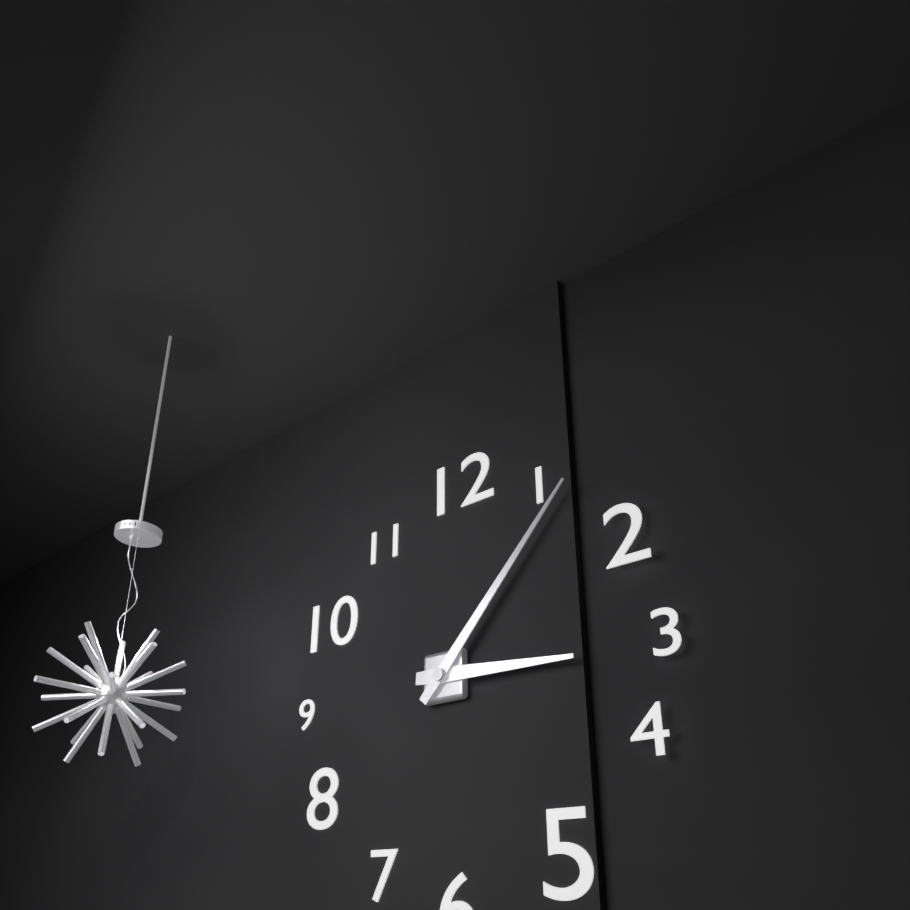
3:07
